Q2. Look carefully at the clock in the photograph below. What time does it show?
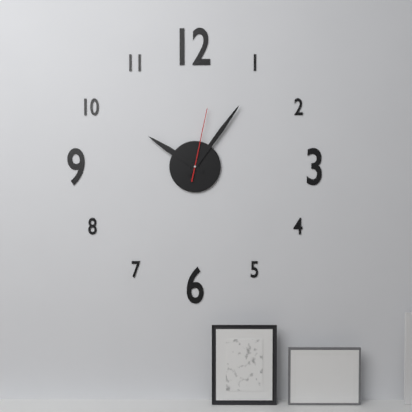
10:06:02
